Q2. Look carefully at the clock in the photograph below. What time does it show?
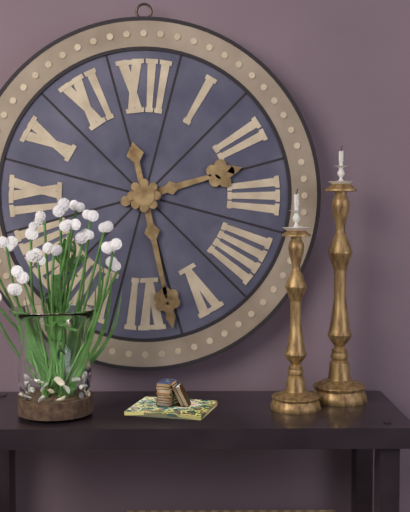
2:28
